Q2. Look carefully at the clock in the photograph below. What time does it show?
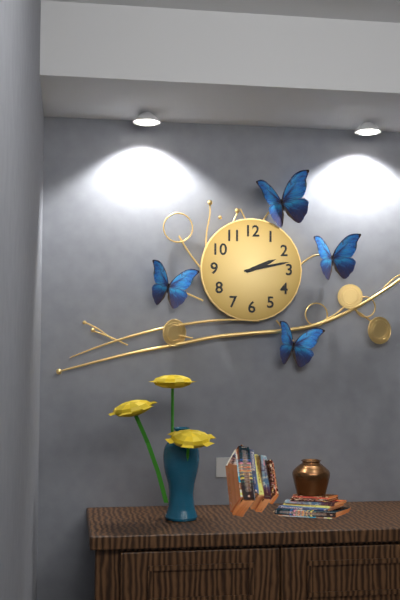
2:13
